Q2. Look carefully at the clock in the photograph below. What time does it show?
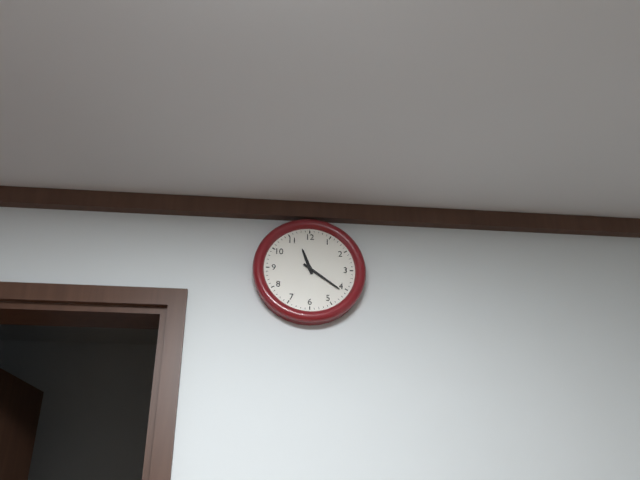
11:21
